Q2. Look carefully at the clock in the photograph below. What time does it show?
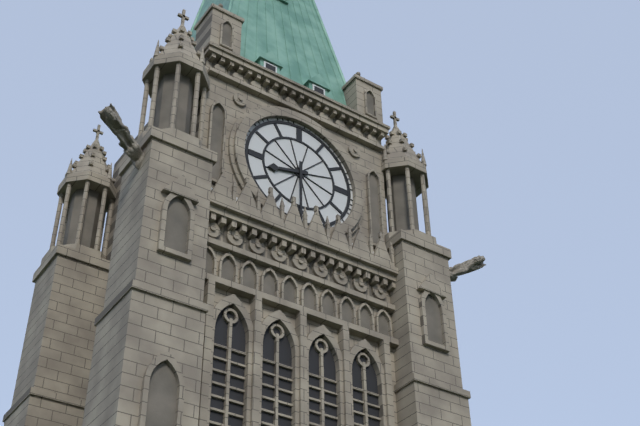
8:30
